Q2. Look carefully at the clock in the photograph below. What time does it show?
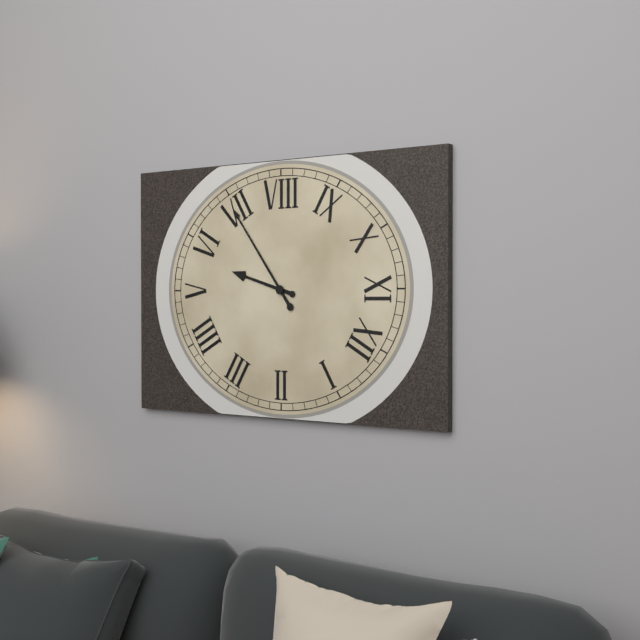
5:34
